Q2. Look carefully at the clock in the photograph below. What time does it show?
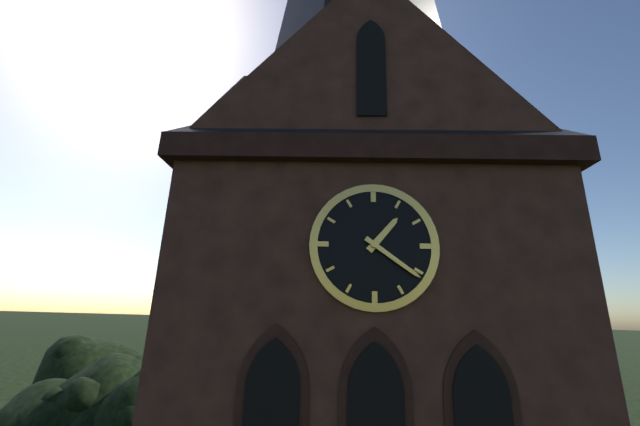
1:21
